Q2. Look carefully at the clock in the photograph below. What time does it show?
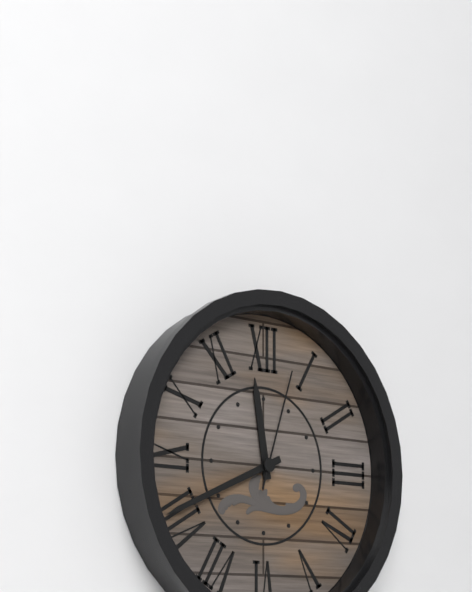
11:41:03
